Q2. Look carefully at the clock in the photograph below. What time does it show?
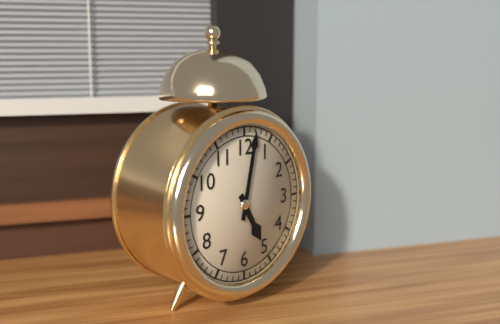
5:02
